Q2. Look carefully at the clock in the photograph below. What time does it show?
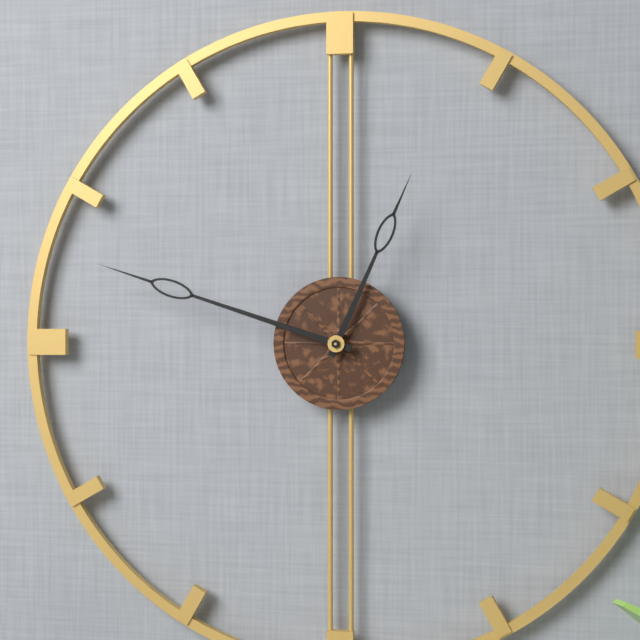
12:48
